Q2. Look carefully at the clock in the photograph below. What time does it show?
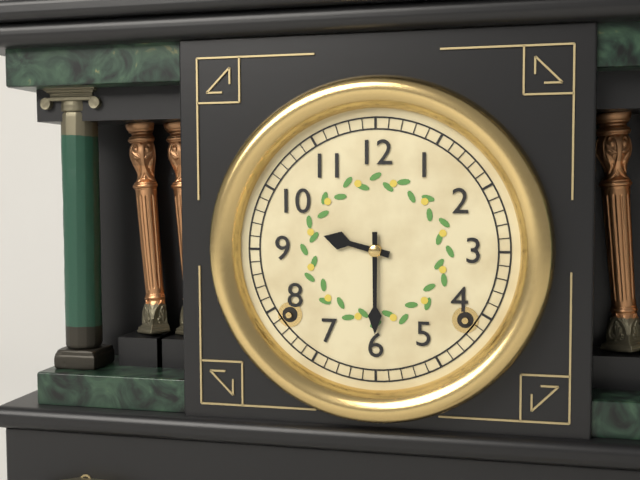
9:30
